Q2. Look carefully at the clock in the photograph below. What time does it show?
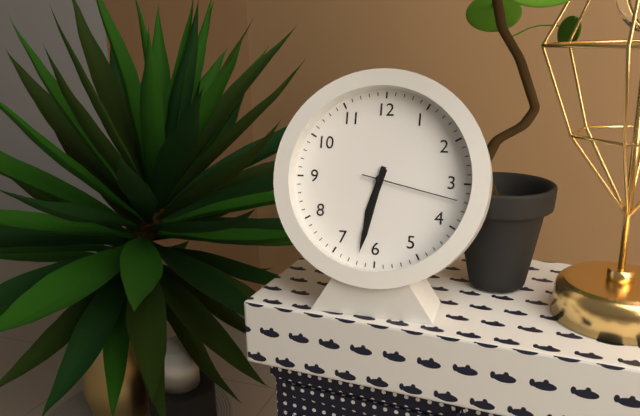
6:32:17
